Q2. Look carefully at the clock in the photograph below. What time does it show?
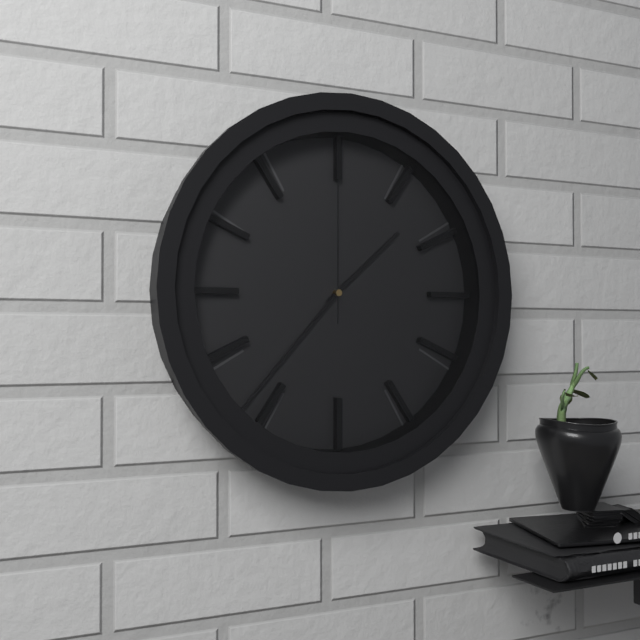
1:37:00
